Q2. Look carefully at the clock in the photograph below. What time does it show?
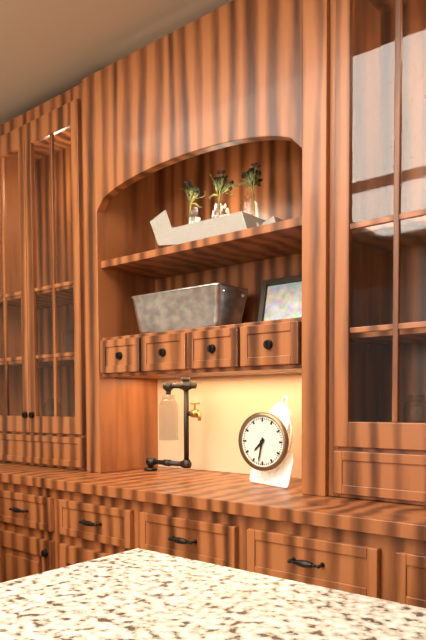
7:32
